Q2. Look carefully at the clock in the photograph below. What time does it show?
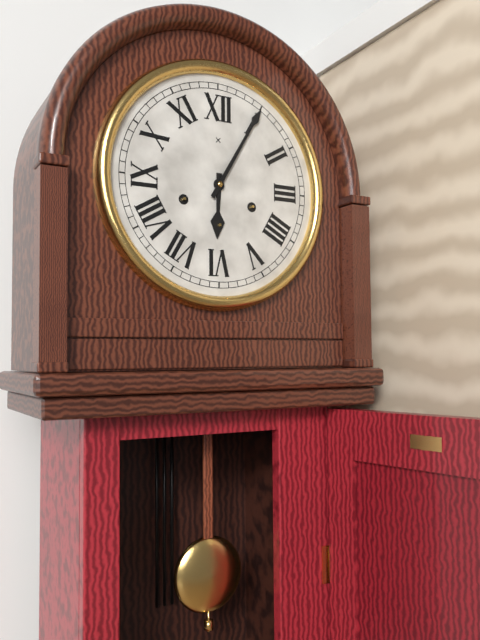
6:05
